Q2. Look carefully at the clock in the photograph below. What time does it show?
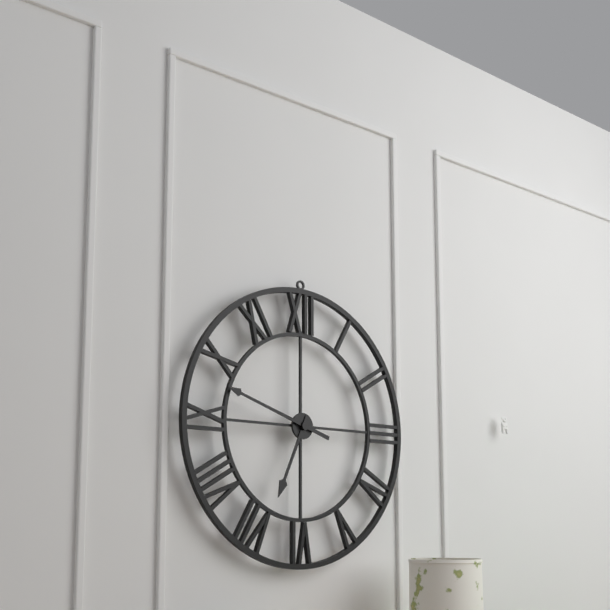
6:48
